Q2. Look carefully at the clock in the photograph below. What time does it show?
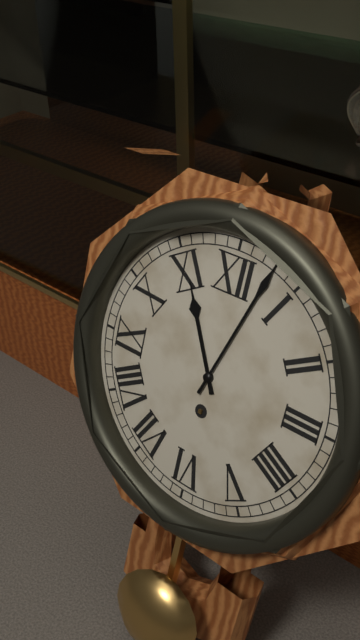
11:03
